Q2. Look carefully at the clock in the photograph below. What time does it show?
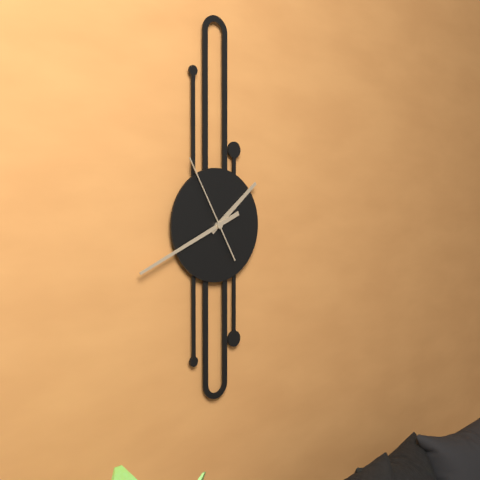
1:41:55
